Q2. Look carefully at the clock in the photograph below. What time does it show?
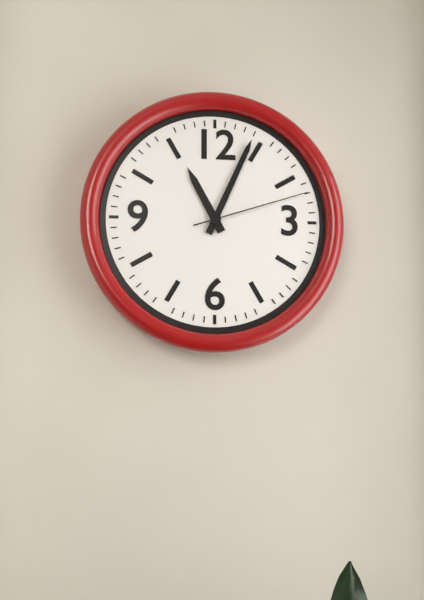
11:04:12
